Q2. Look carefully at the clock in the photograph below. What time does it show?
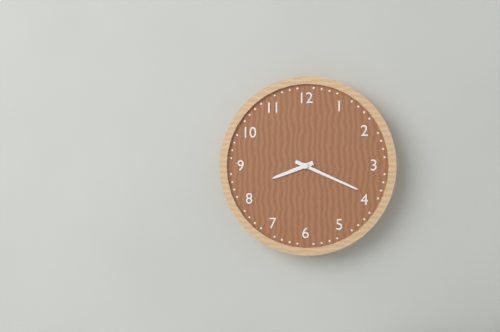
8:19
